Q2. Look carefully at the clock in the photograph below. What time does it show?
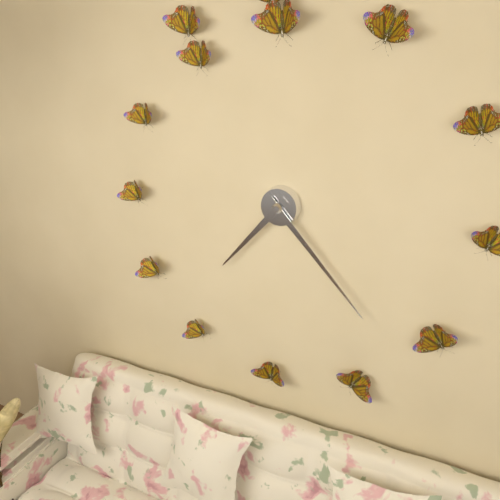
7:23
